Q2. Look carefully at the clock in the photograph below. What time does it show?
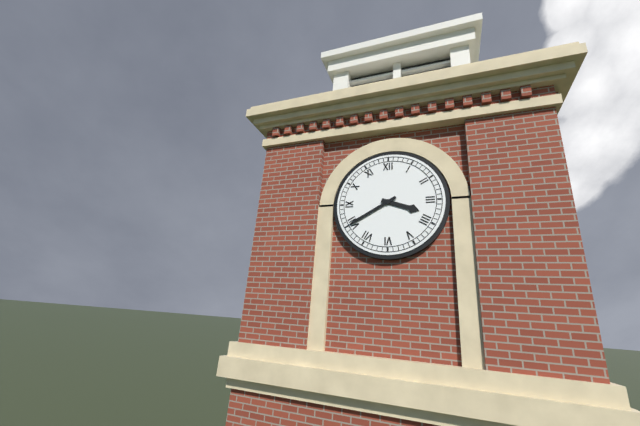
3:40
